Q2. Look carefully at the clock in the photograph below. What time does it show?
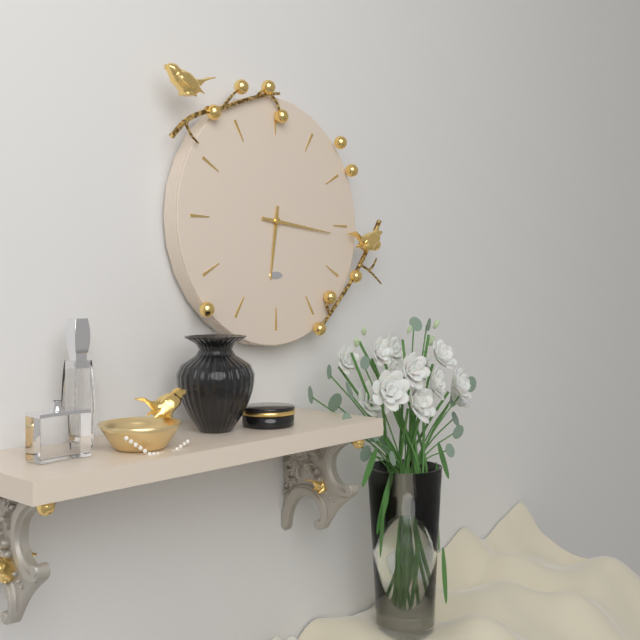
6:16
